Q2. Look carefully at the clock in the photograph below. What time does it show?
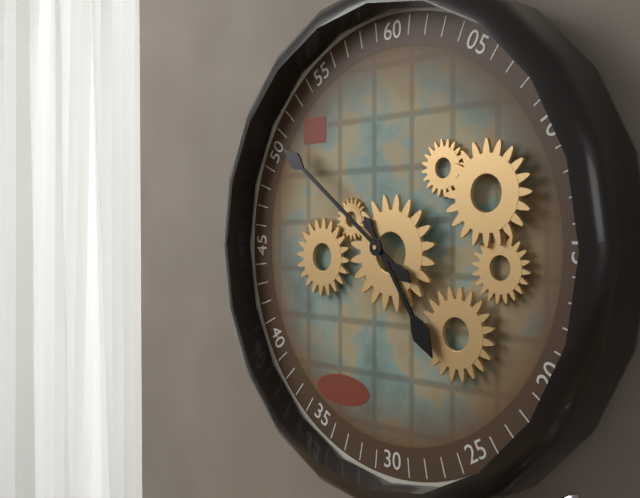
4:51
